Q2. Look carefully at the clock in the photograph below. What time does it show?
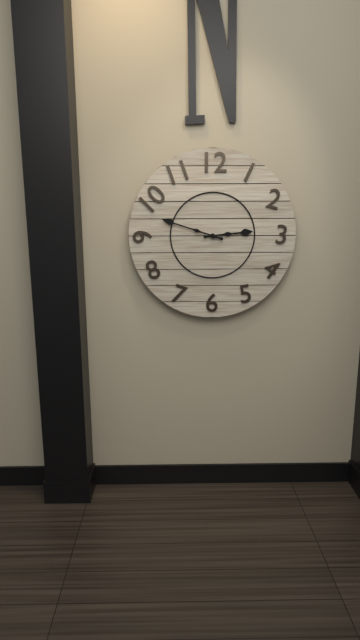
2:48
